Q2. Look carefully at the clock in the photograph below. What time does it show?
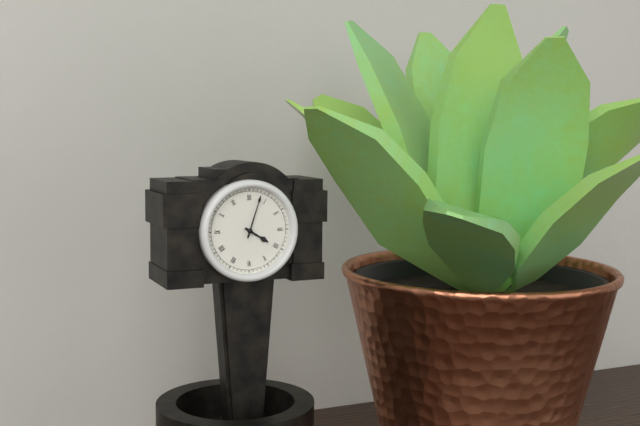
4:03
